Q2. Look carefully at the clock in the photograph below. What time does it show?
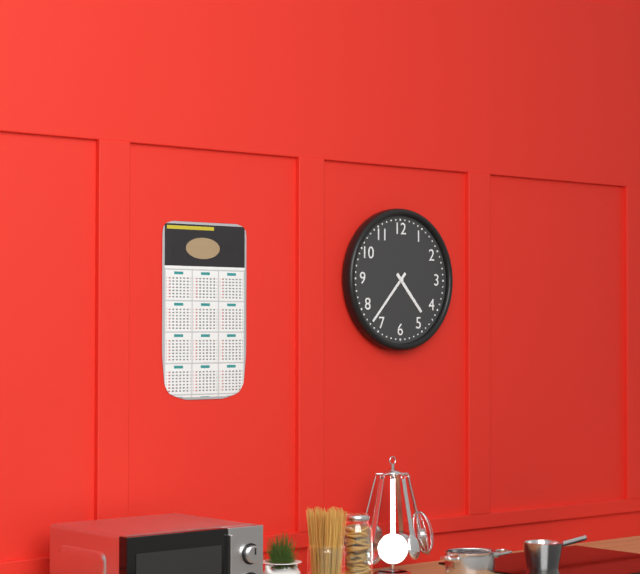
4:37
